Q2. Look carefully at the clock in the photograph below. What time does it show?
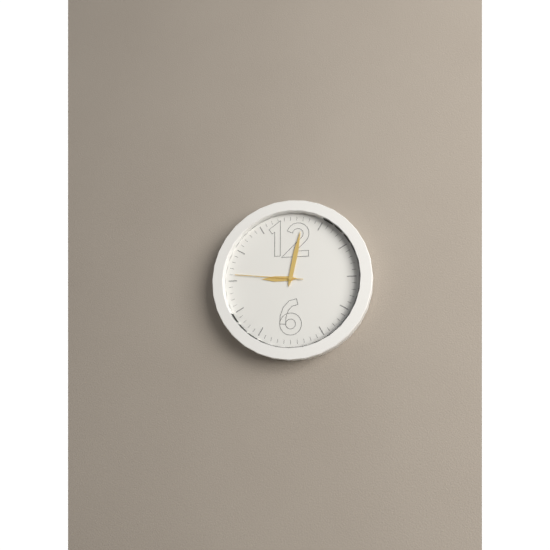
9:02:46
